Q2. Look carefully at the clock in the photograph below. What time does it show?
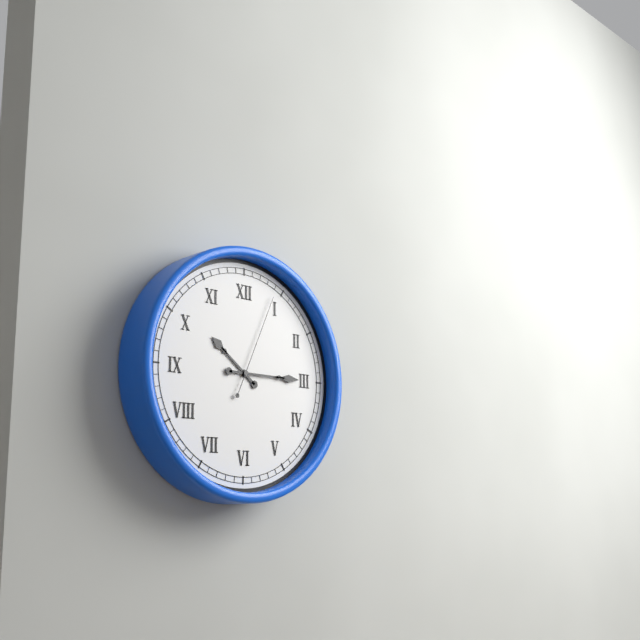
10:15:04
